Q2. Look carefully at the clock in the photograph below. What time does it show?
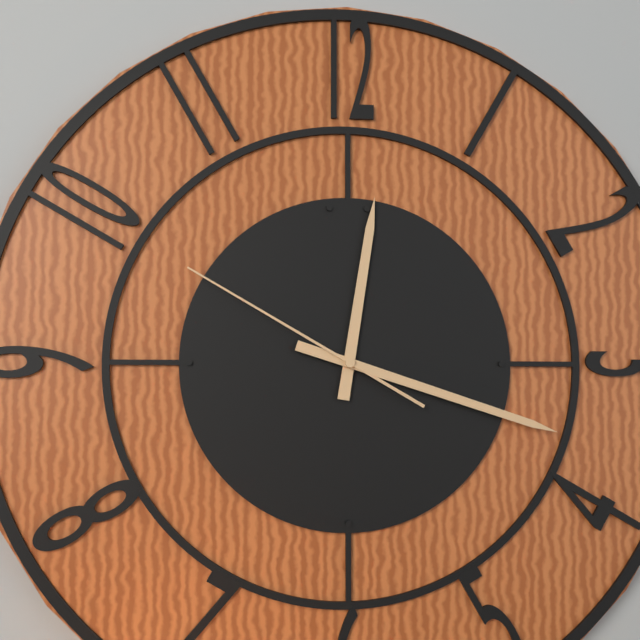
12:18:50
